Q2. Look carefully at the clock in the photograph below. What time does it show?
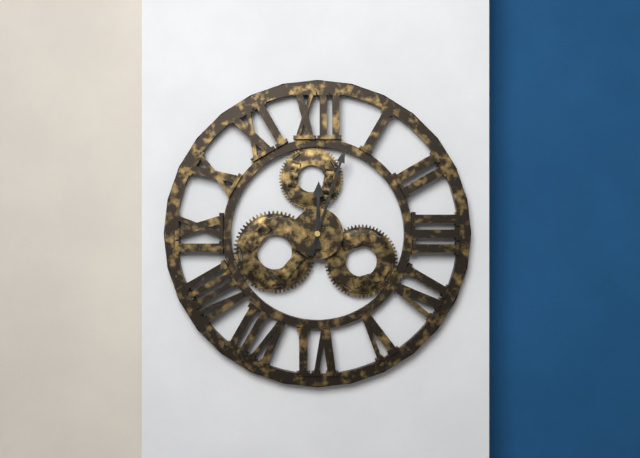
12:03
